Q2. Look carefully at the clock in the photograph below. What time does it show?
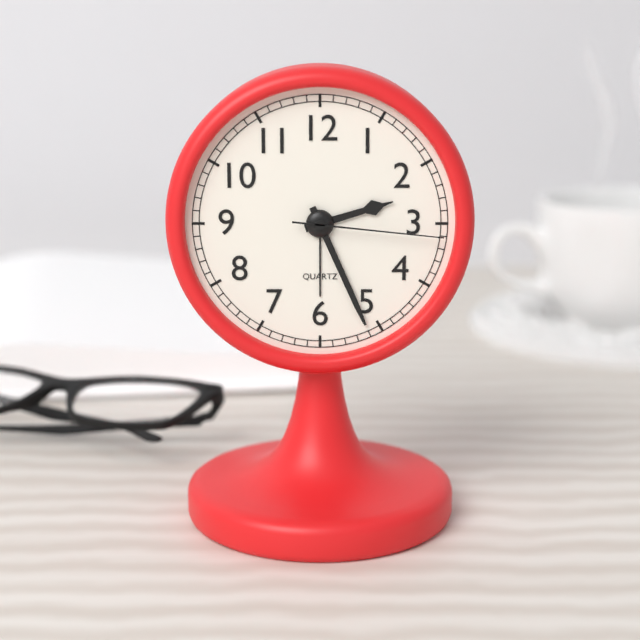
2:26:16
